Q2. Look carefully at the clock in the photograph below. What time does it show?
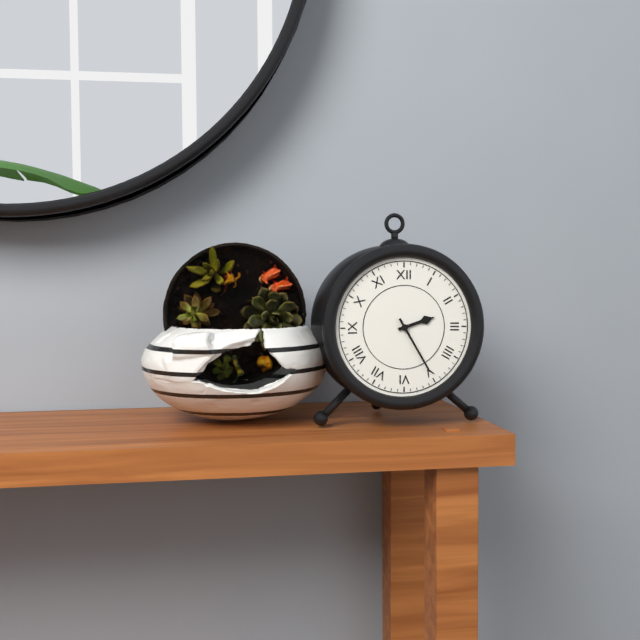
2:25
